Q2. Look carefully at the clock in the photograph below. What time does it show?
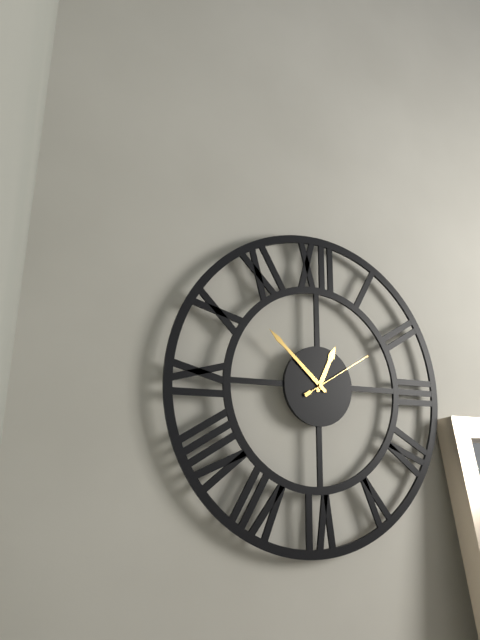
12:52:10
